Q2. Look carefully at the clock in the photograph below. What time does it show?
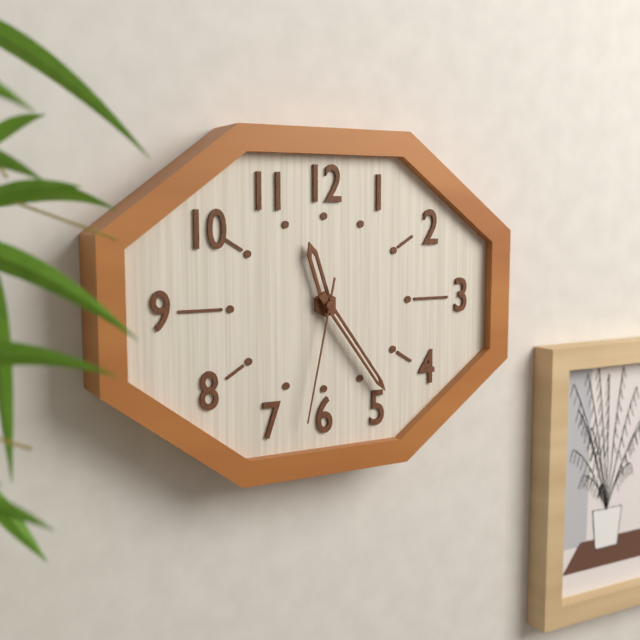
11:24:32
